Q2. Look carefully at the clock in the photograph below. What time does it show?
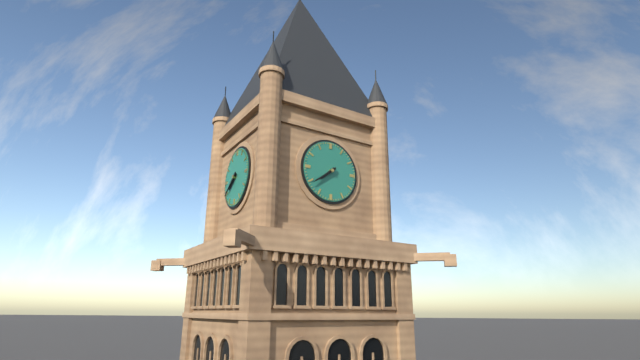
7:39
